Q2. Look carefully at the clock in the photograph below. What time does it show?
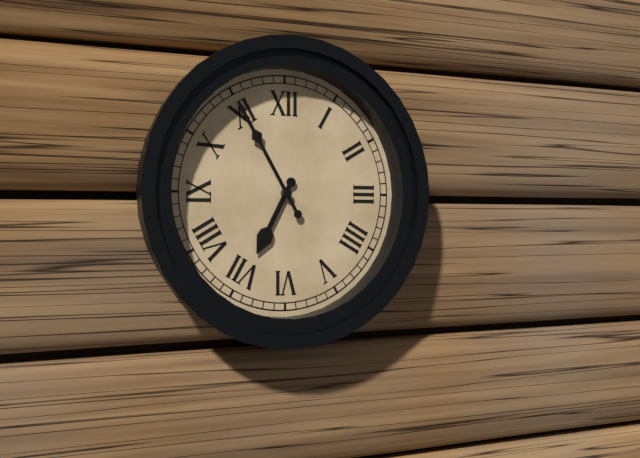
6:55
